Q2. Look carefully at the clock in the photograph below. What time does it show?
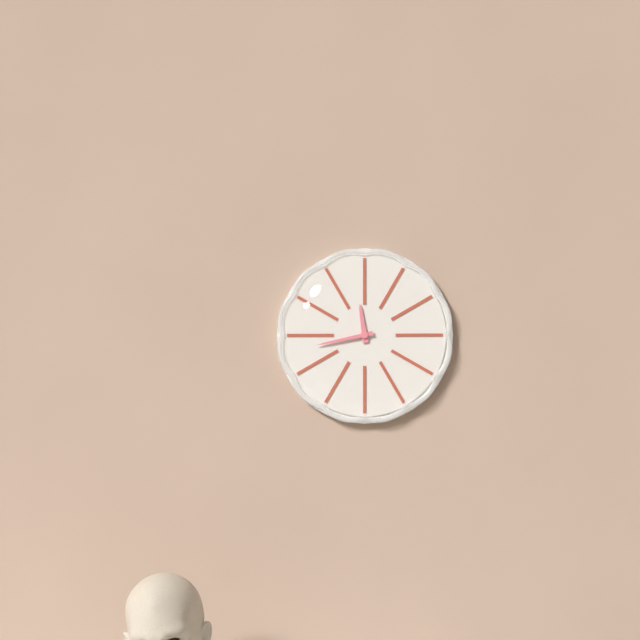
11:43
